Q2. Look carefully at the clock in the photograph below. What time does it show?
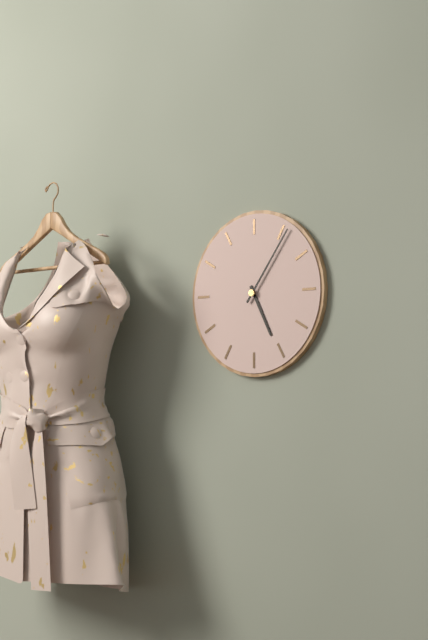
5:06
